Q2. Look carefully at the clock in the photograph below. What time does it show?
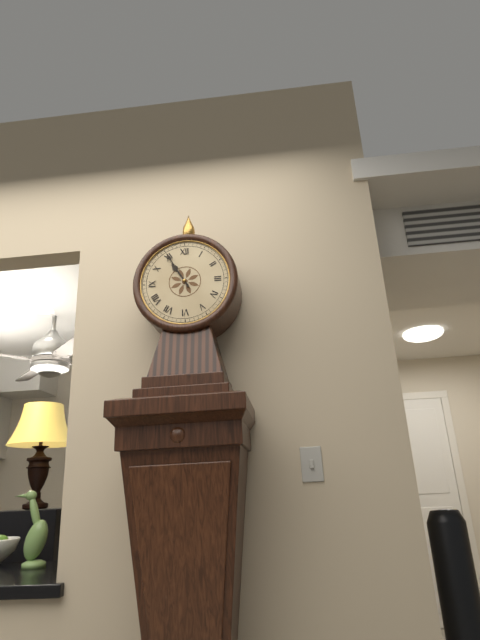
10:55
